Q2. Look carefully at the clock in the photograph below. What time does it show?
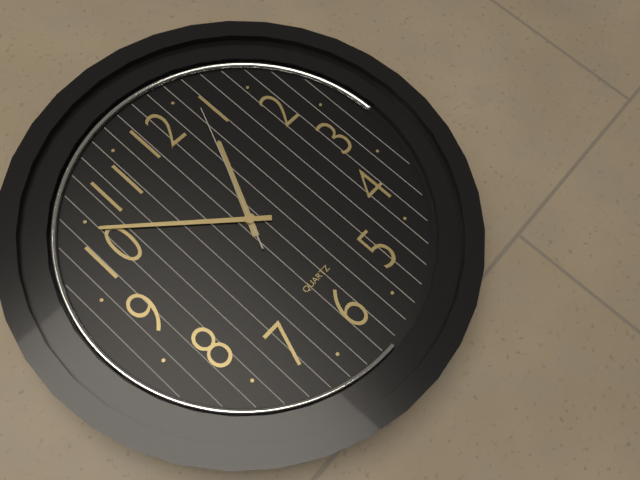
12:52:04
